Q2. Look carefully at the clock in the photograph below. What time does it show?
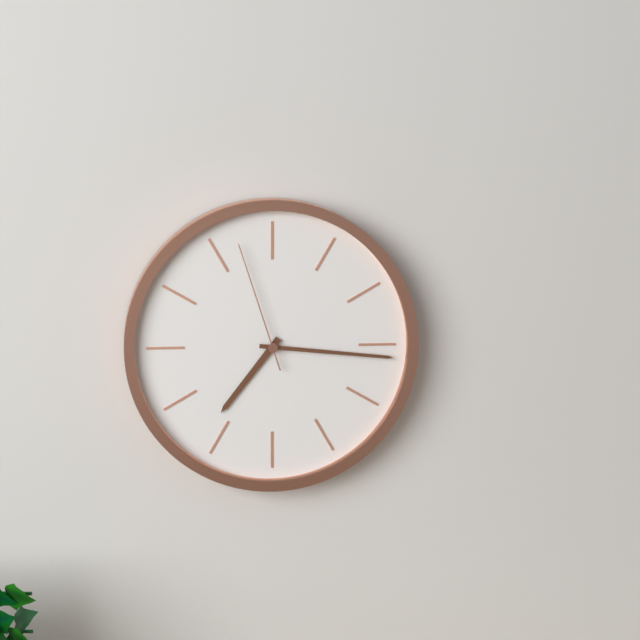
7:16:57
